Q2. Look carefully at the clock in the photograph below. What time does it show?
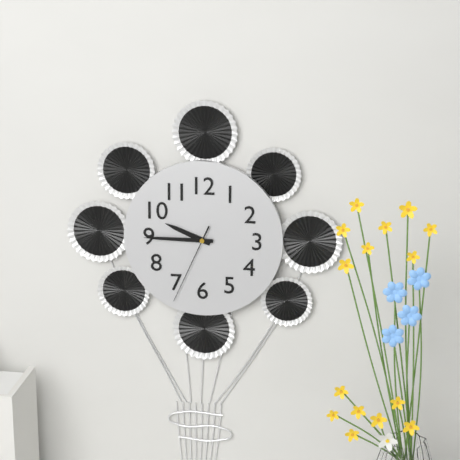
9:45:34
